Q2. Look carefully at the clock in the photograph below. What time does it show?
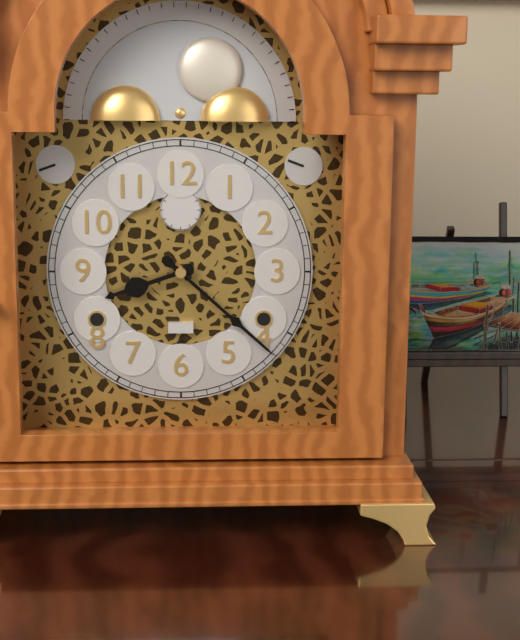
8:22
